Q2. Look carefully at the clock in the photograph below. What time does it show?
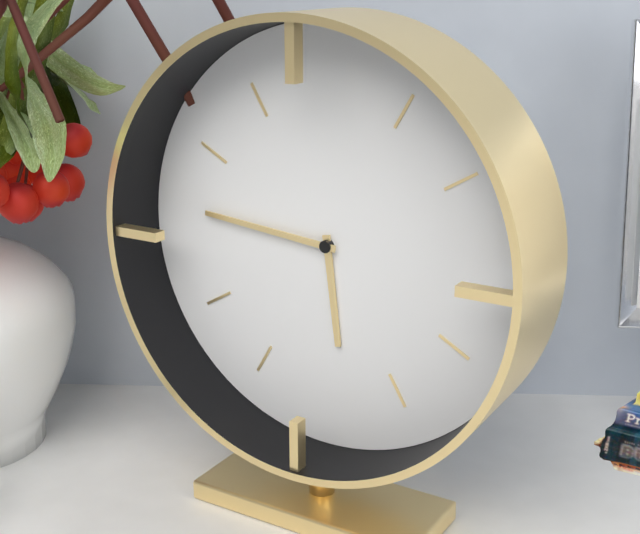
5:46
